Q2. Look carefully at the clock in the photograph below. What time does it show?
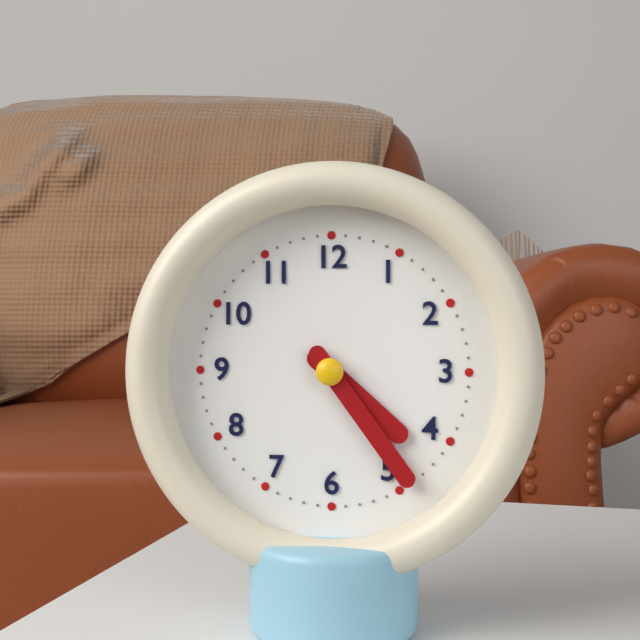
4:24
